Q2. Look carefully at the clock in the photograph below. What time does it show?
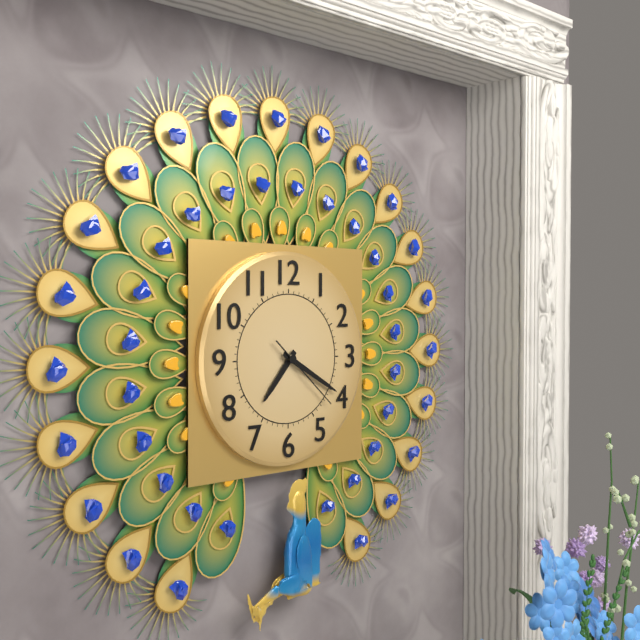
7:20:22
